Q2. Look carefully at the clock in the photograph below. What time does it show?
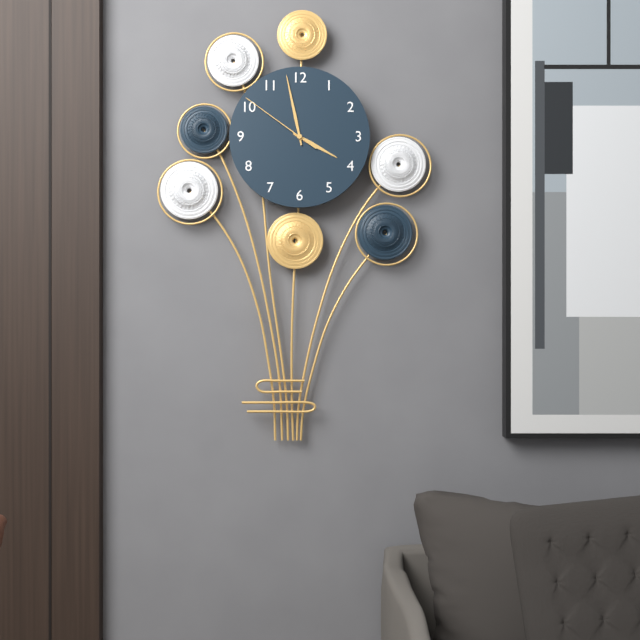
3:58:51
